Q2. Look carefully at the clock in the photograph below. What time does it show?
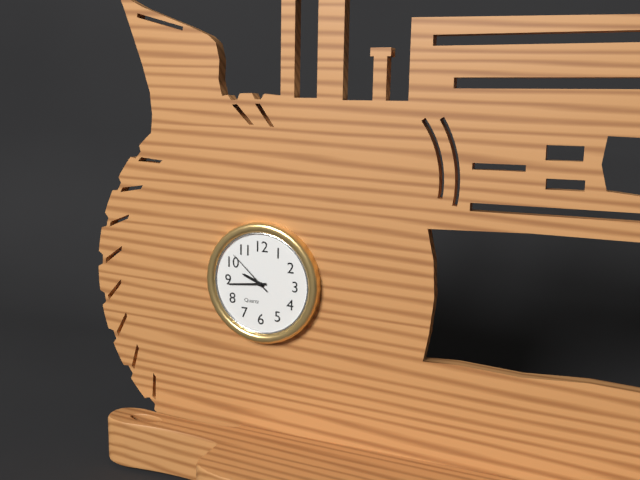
9:44
